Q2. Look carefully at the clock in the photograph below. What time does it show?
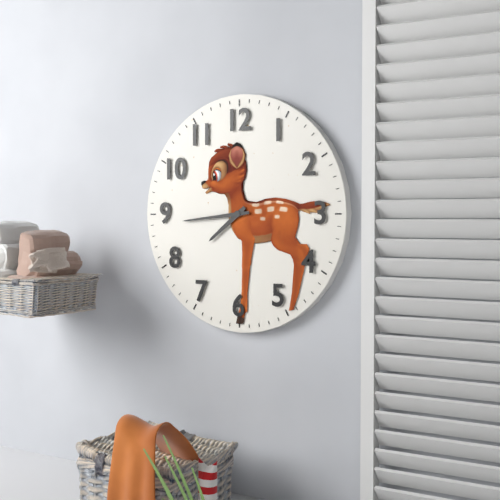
7:44
